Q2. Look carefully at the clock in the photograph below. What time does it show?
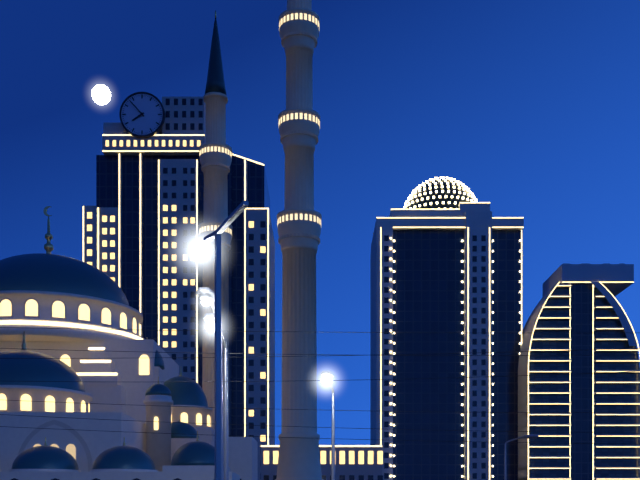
7:53
